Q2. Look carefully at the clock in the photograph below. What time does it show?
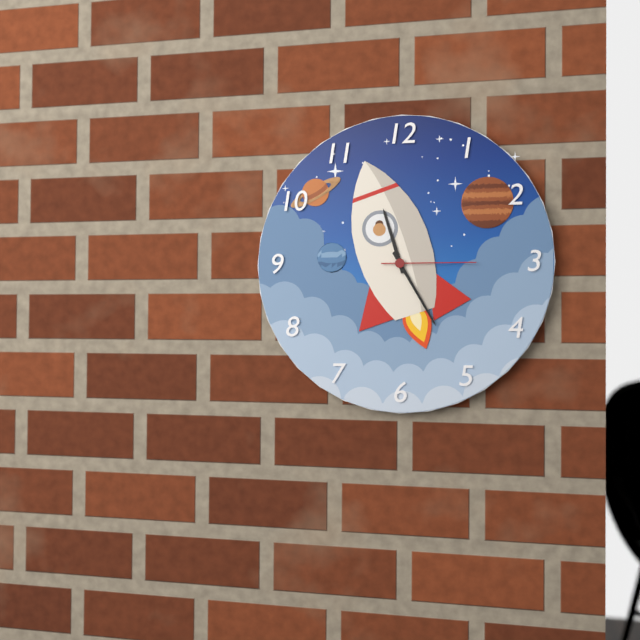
11:25:15
